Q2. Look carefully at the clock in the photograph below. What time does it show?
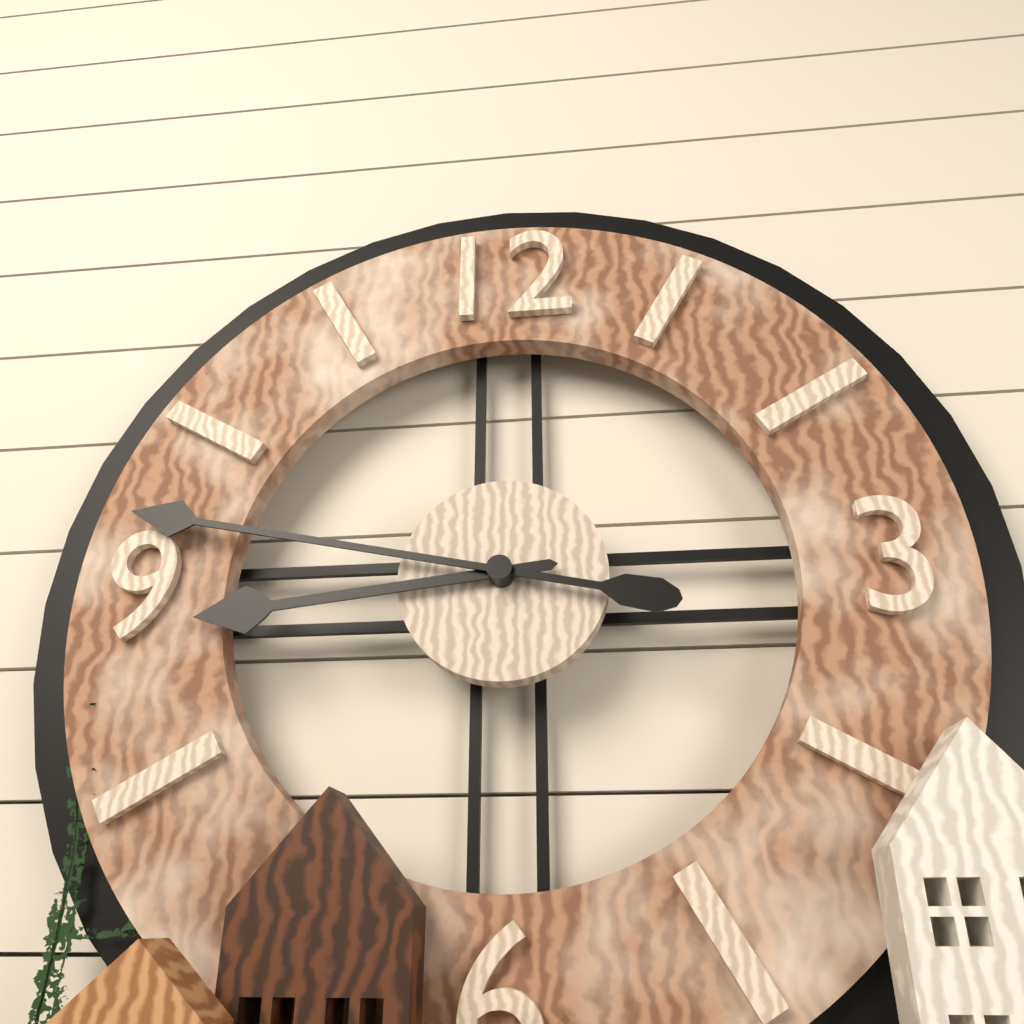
8:47
